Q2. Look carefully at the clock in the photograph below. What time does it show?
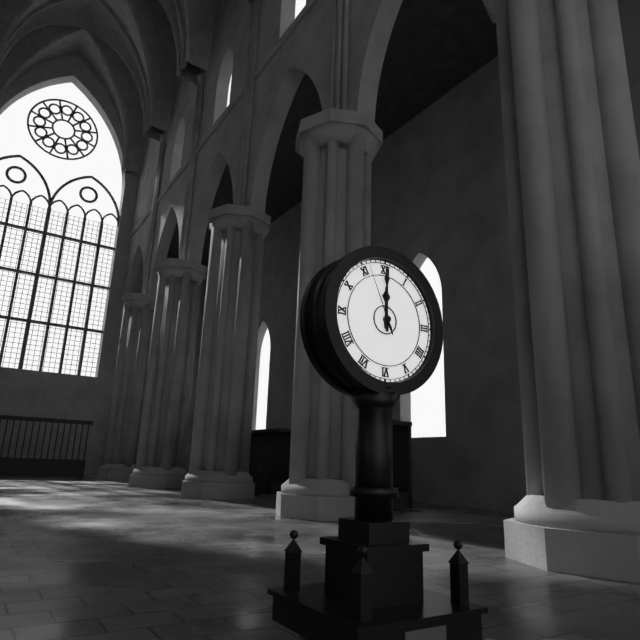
12:00:56
